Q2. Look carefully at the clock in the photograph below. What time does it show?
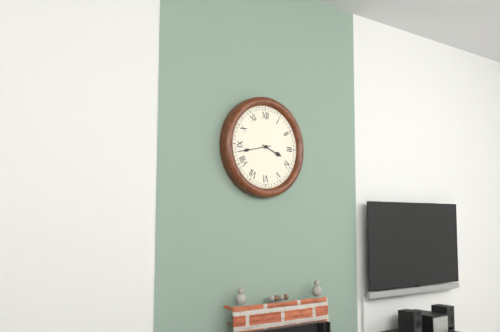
3:43
